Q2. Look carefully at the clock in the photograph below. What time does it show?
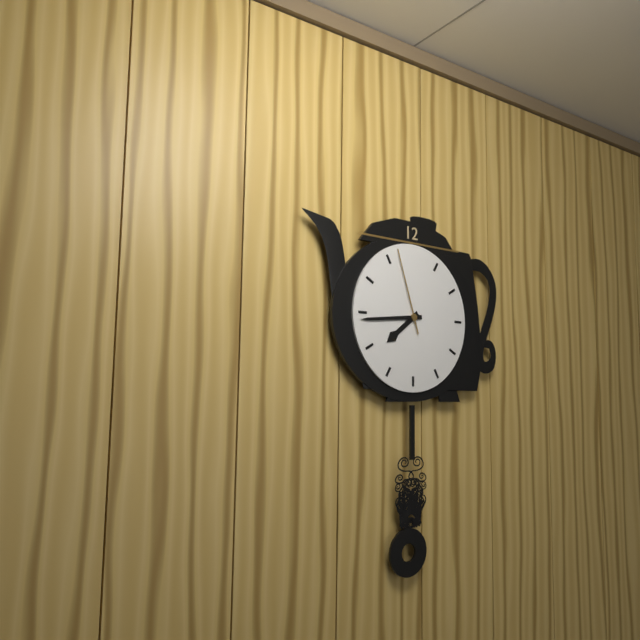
7:44:57
